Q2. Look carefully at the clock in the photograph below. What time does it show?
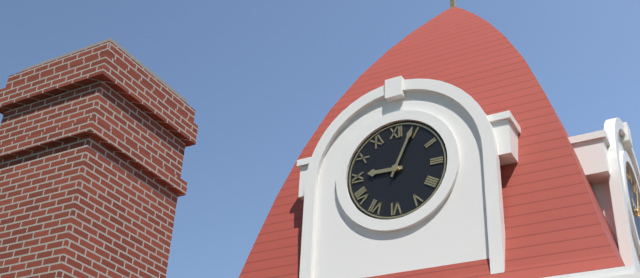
9:04
